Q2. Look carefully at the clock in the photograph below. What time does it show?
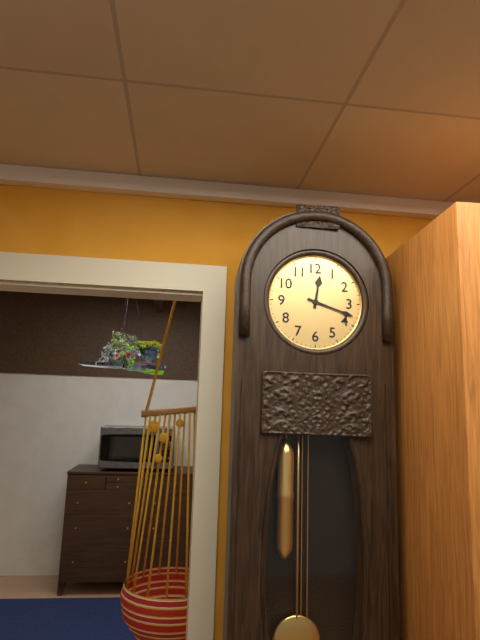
12:18
